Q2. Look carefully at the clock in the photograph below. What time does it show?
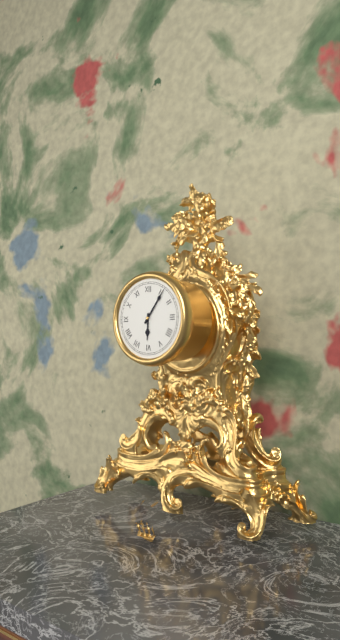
6:06
